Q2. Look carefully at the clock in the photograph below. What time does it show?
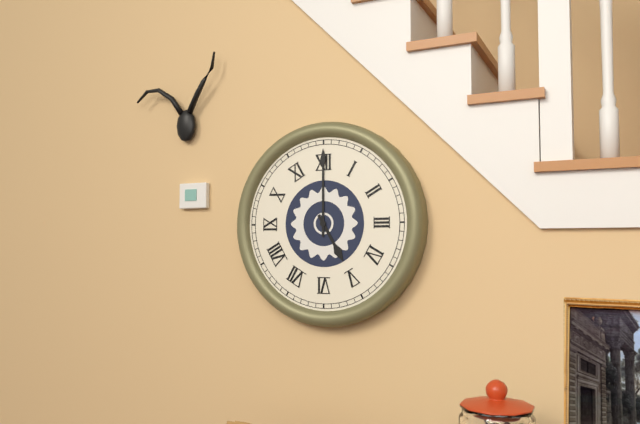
5:00
